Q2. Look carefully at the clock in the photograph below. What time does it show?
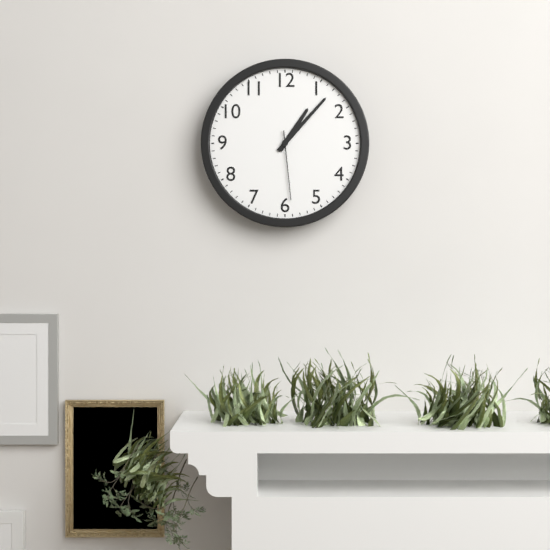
1:07:29
